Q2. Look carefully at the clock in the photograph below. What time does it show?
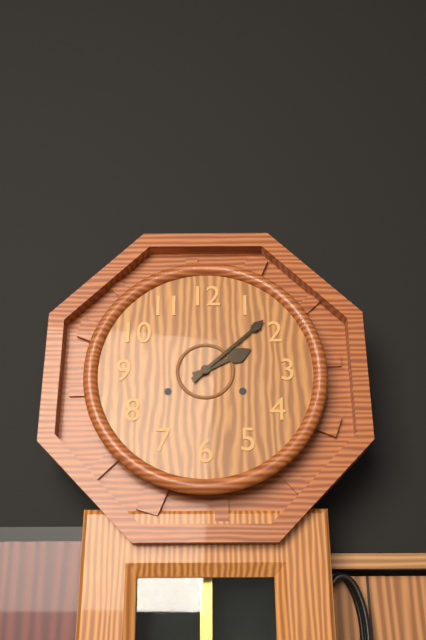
2:08
